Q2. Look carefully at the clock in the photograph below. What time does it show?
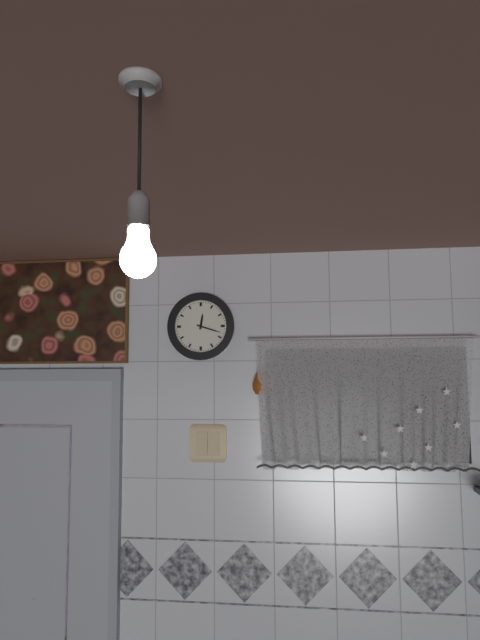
12:18
